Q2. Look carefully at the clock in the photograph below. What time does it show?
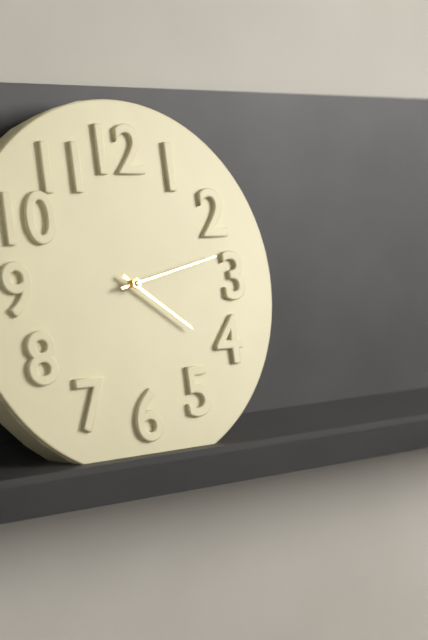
4:13
